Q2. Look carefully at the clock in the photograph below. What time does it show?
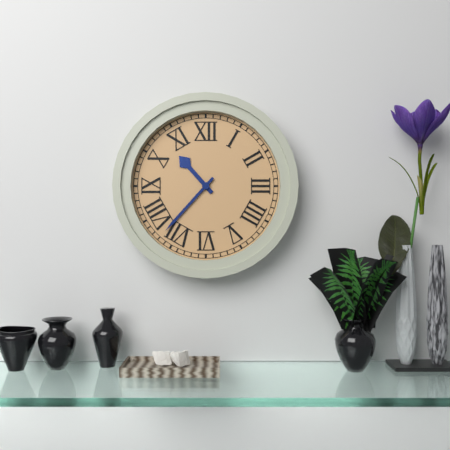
10:37
